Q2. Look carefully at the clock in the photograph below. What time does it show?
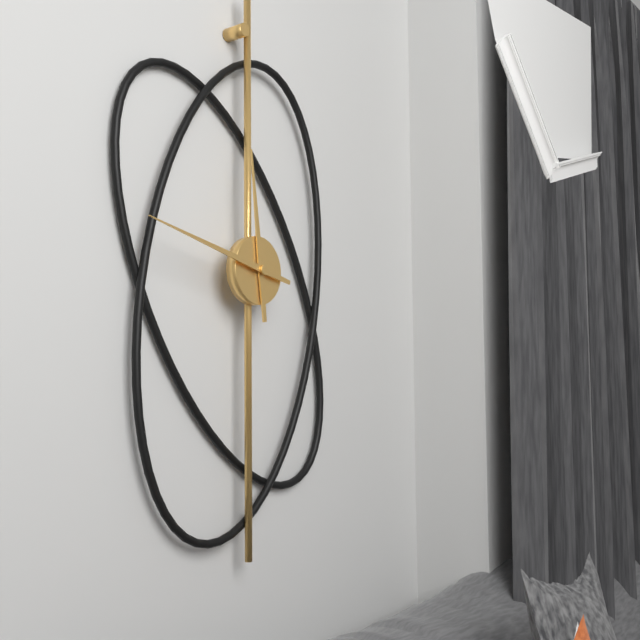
11:47
